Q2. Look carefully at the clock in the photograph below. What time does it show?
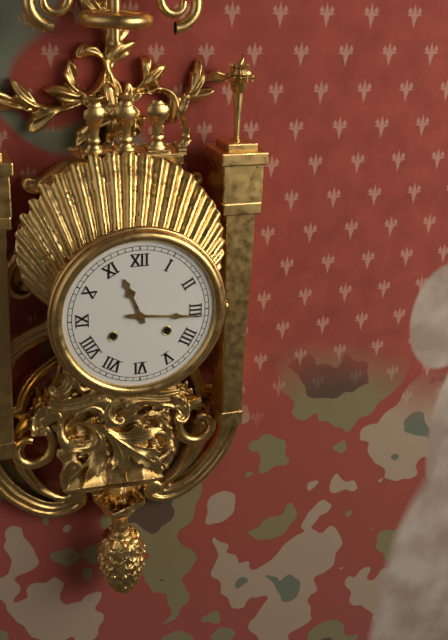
11:16
